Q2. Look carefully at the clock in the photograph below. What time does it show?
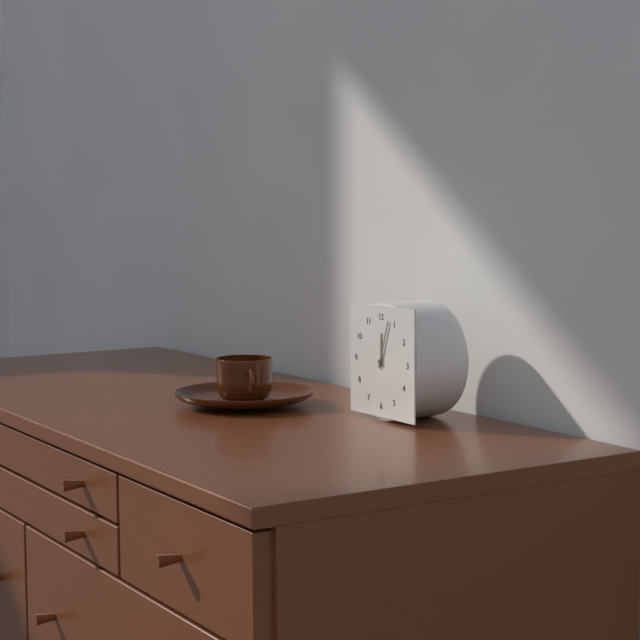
12:03
